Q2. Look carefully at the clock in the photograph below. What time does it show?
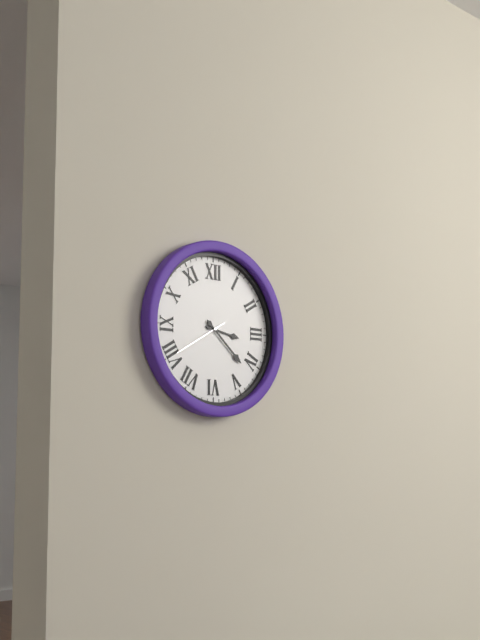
3:22
